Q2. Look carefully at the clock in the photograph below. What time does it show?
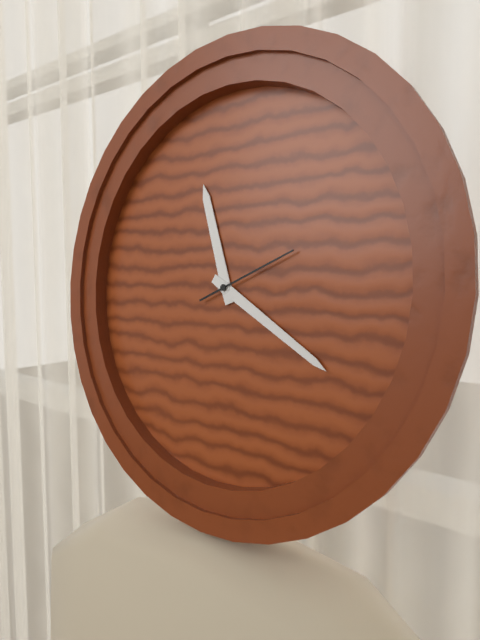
11:20:11
